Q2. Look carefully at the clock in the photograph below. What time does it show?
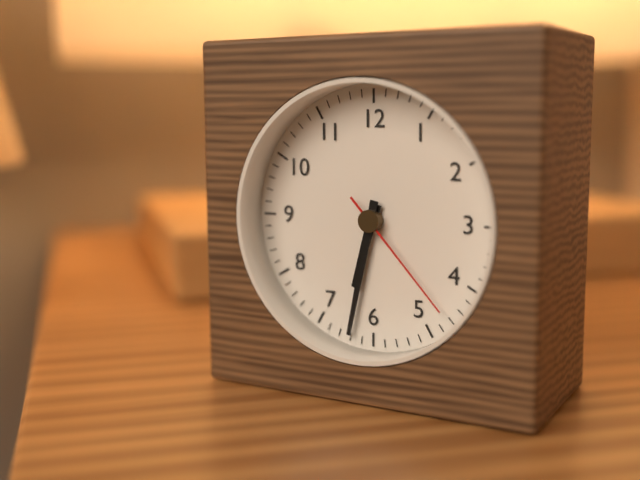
6:32:23
